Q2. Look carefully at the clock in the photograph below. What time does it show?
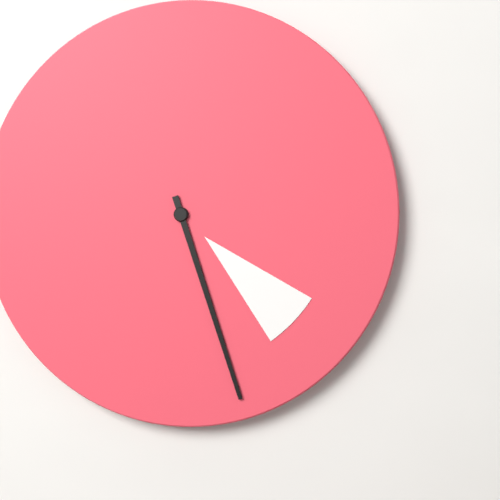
4:27
